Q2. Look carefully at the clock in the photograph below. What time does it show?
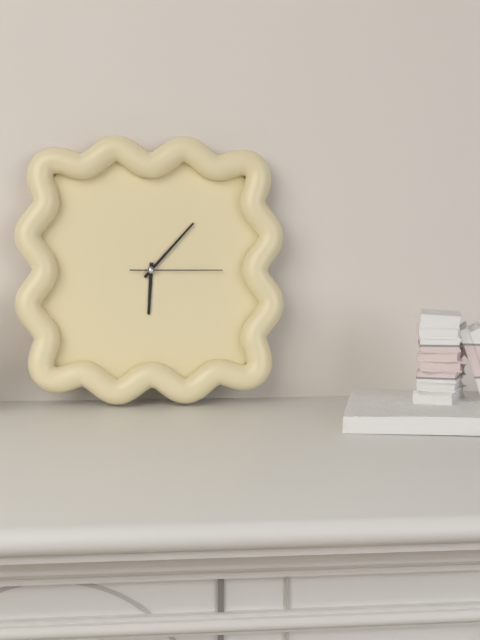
6:07:15
